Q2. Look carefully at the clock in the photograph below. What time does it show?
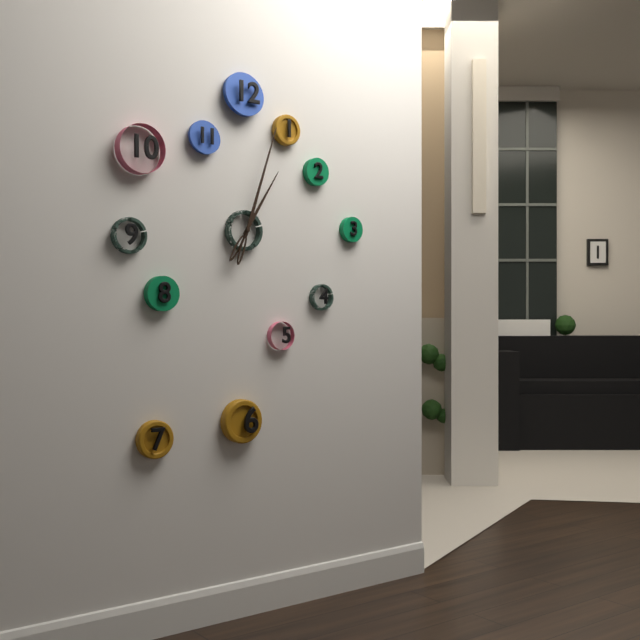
1:03
